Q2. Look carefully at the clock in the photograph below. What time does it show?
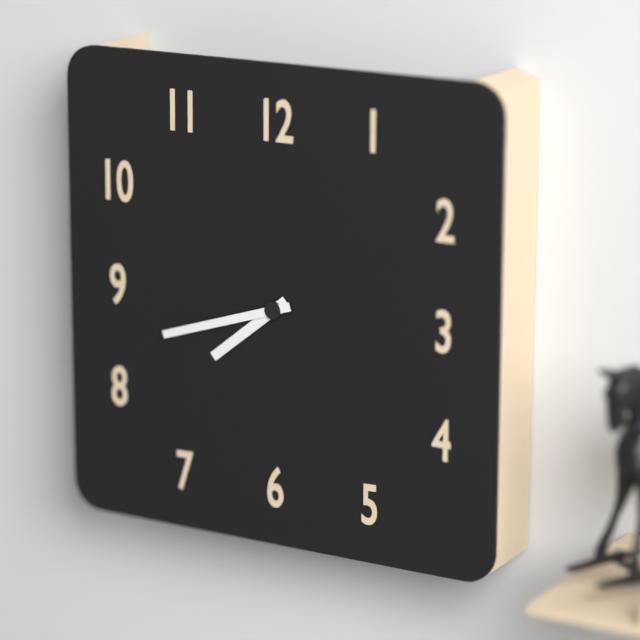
7:42
